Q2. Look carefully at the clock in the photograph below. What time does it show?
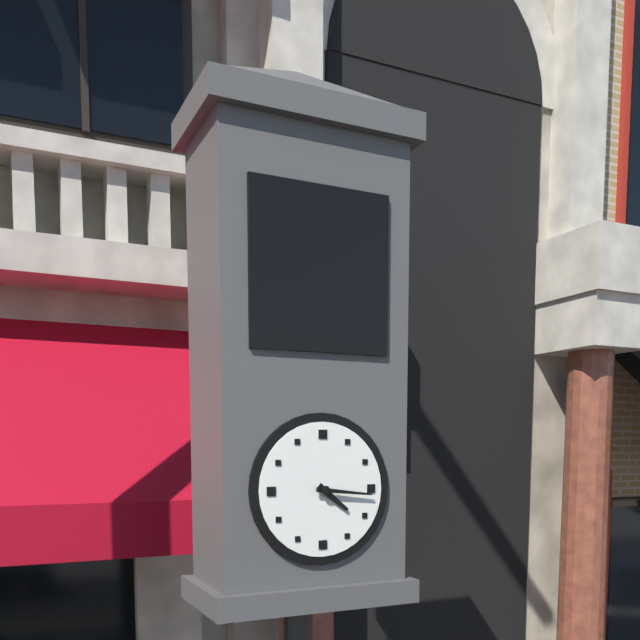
4:16
